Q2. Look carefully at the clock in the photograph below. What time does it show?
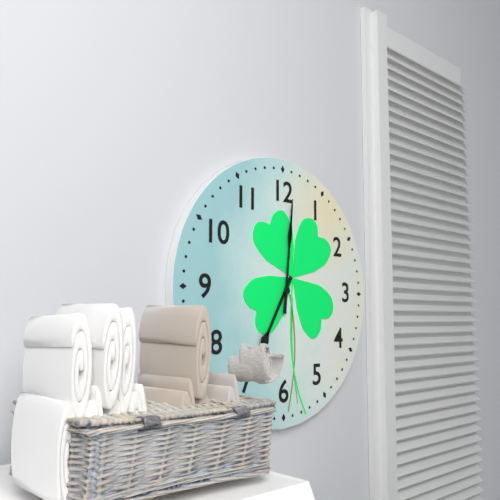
7:01
